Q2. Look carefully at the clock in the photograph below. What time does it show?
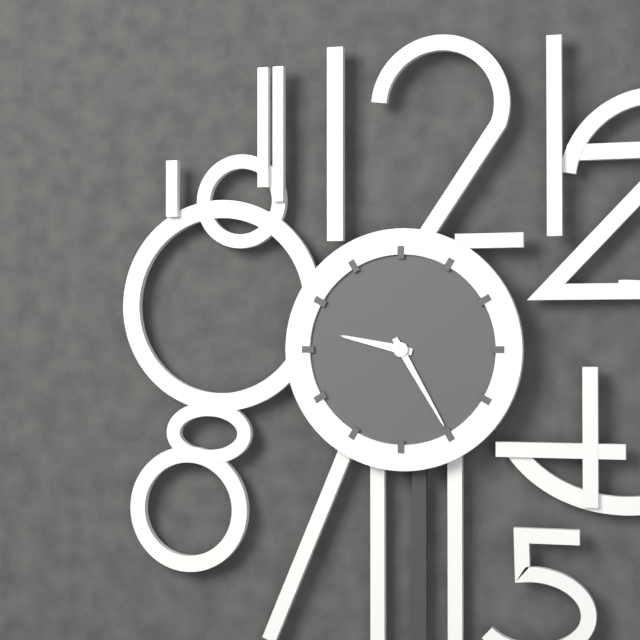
9:25
